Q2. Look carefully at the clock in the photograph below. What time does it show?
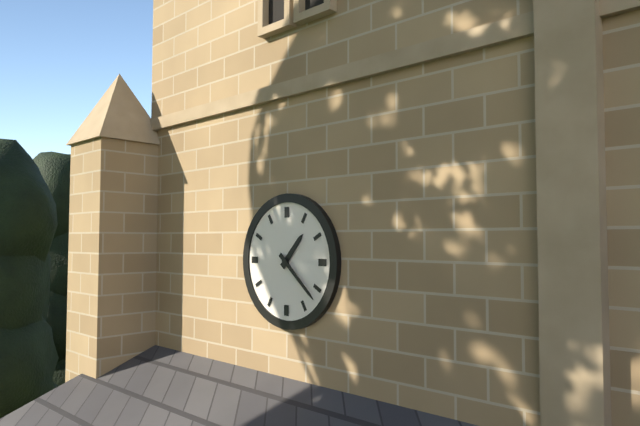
1:22
